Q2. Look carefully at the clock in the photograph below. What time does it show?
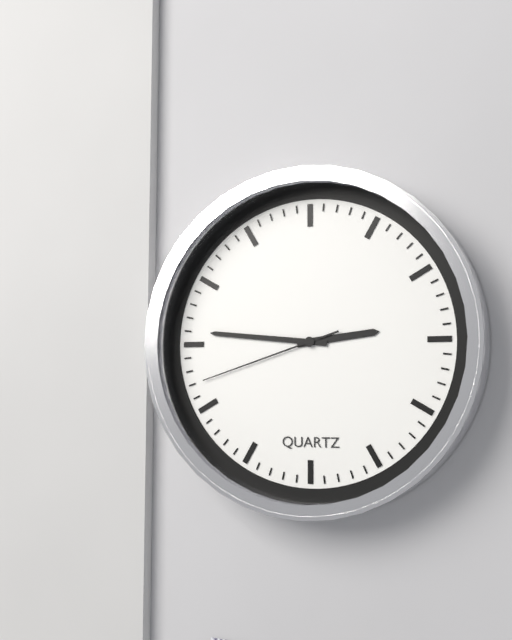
2:46:42
